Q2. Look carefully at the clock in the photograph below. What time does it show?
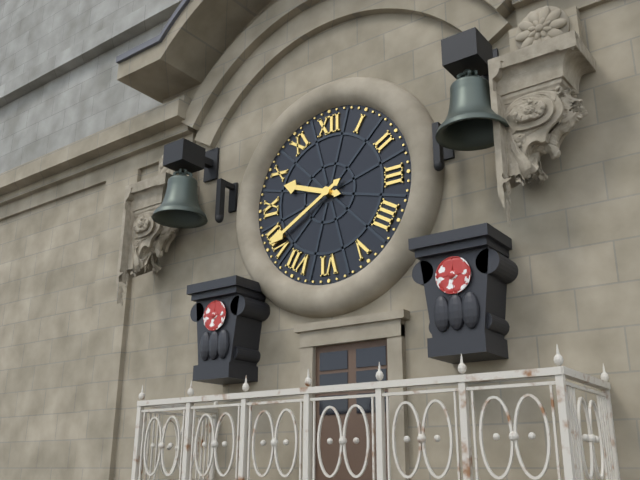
9:40
